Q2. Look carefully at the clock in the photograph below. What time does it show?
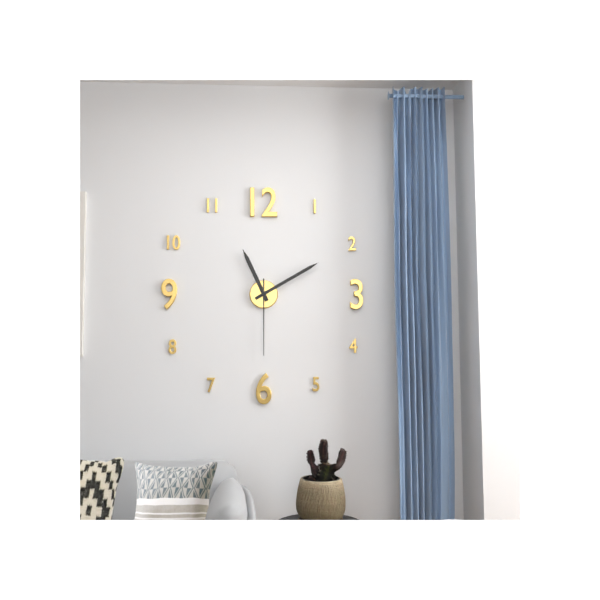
11:10:30
